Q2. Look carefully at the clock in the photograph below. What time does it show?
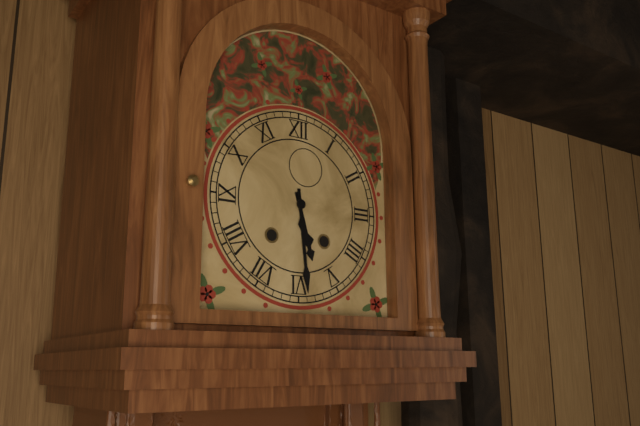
5:29
